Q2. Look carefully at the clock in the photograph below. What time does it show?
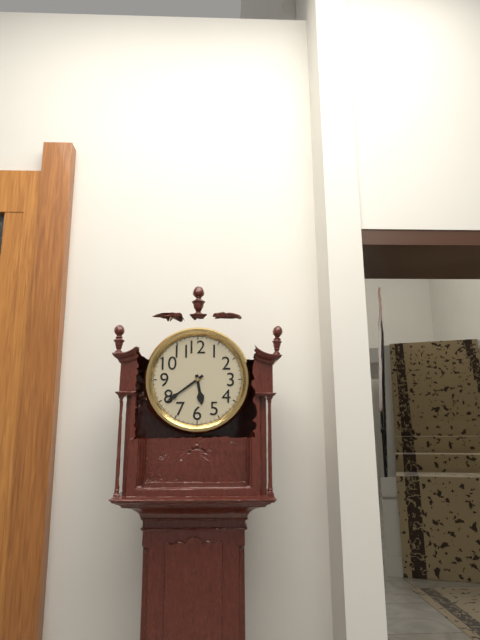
5:39
